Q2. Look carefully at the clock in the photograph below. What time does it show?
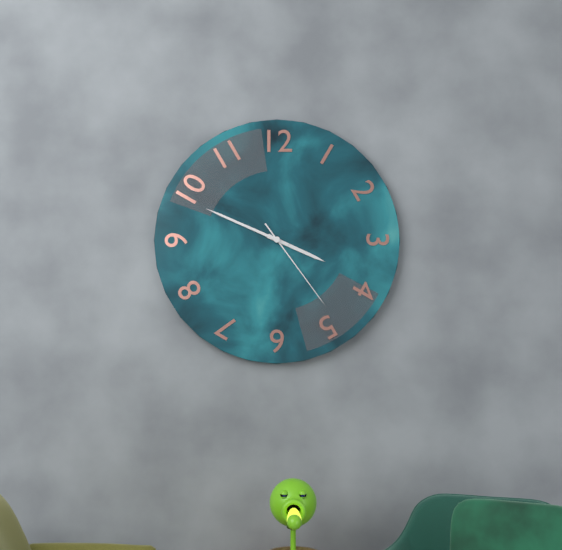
3:49:24
